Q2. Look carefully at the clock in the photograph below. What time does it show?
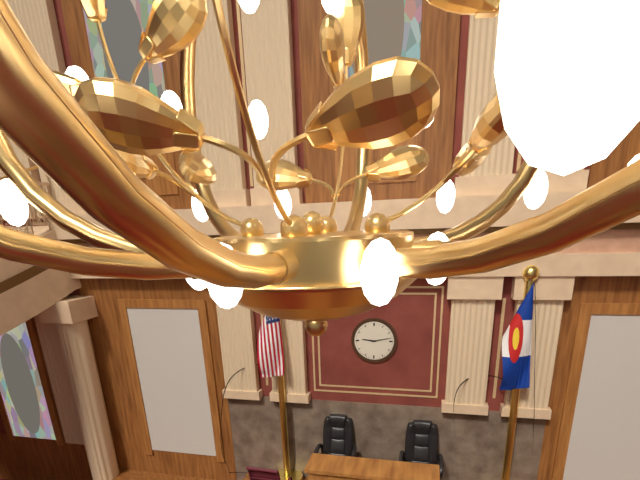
9:13
